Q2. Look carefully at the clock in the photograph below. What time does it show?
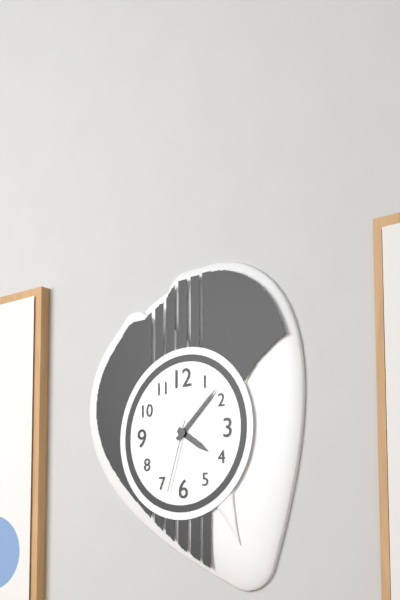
4:08:33
